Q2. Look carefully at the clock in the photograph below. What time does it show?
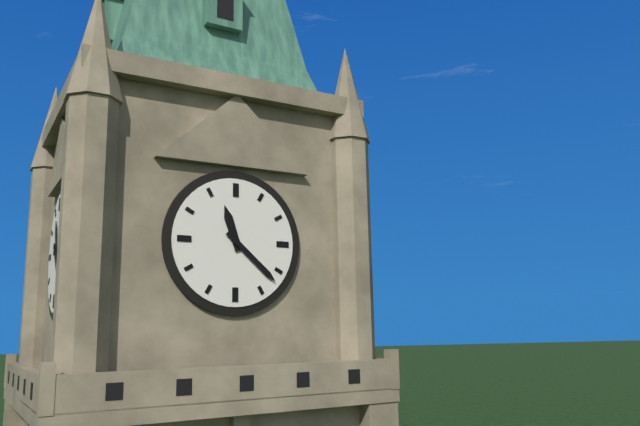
11:22
